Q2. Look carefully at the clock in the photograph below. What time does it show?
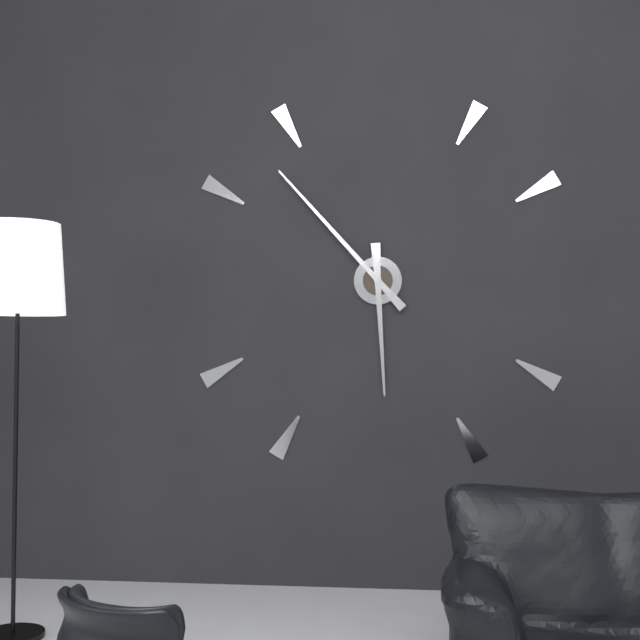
5:53
